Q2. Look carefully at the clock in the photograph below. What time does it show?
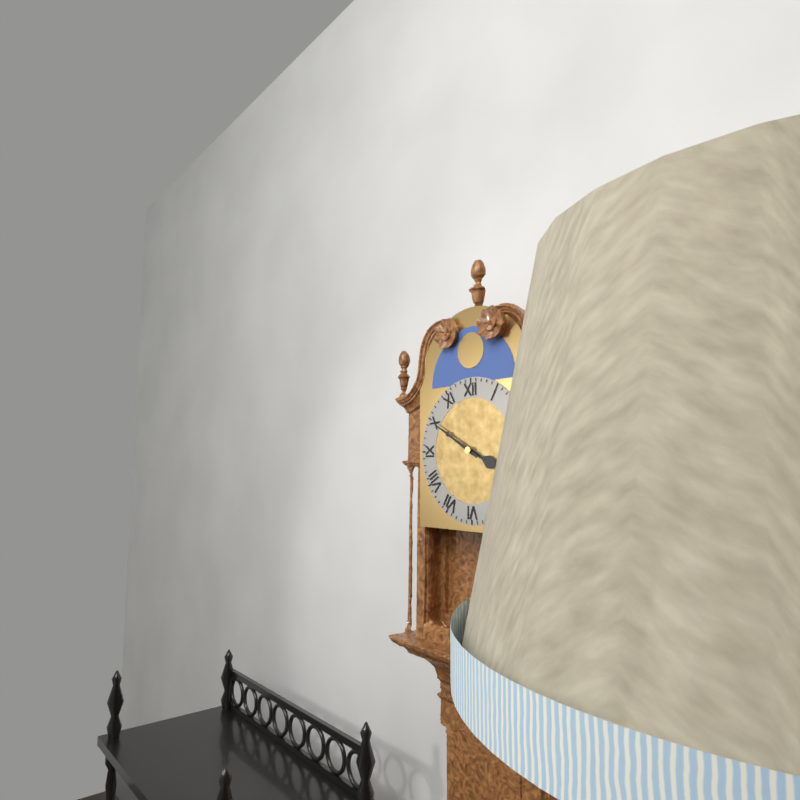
3:50
